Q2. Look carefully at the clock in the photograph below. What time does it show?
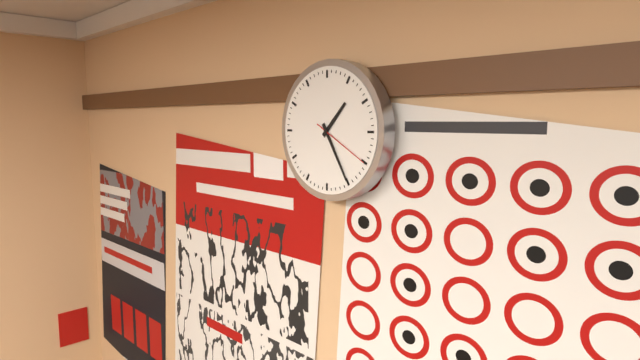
1:25:20
